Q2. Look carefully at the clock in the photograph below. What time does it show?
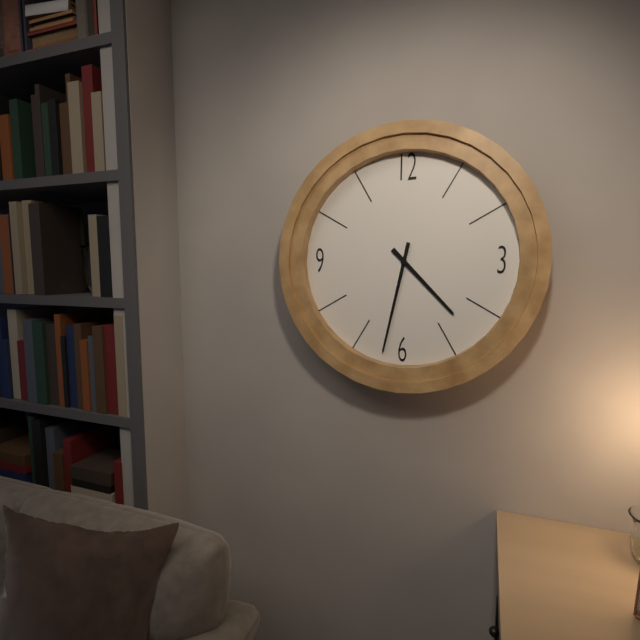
4:32
